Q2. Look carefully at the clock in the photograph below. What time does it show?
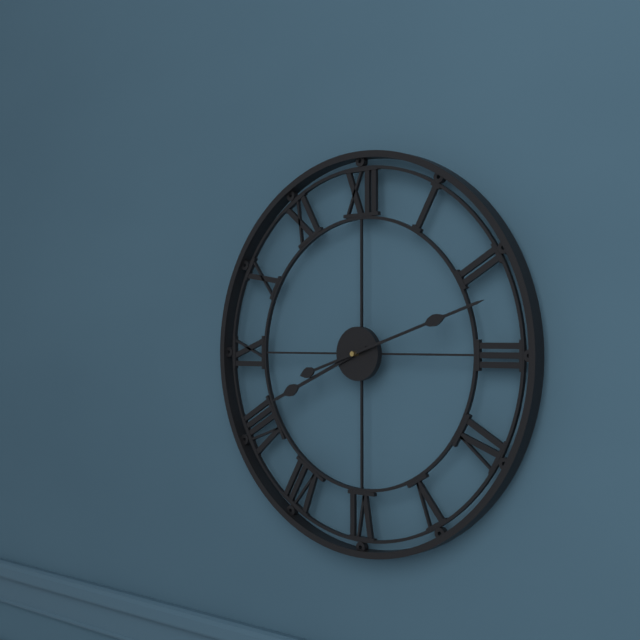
8:12
